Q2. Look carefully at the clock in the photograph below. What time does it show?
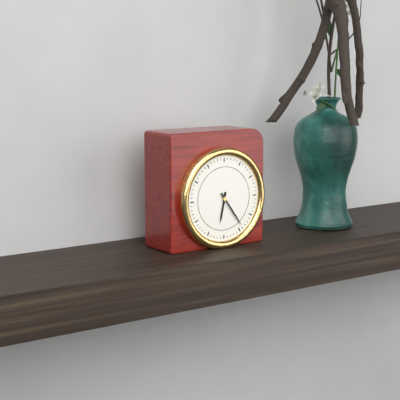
6:24
